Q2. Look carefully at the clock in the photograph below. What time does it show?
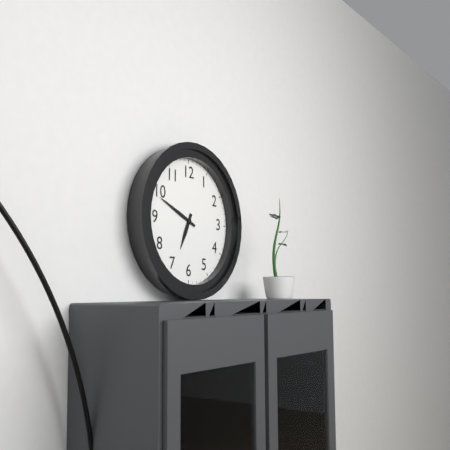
6:49
